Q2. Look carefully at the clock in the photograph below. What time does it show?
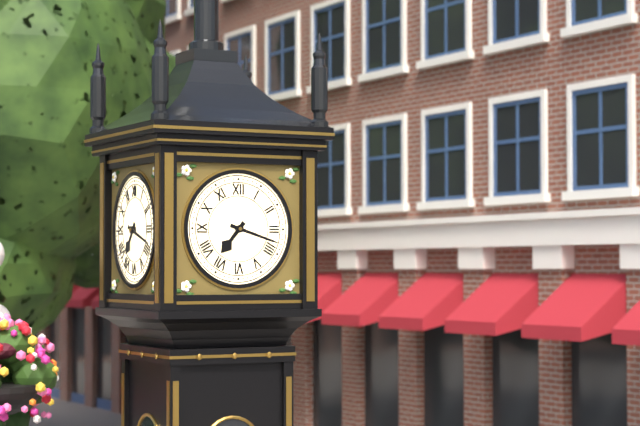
7:18
